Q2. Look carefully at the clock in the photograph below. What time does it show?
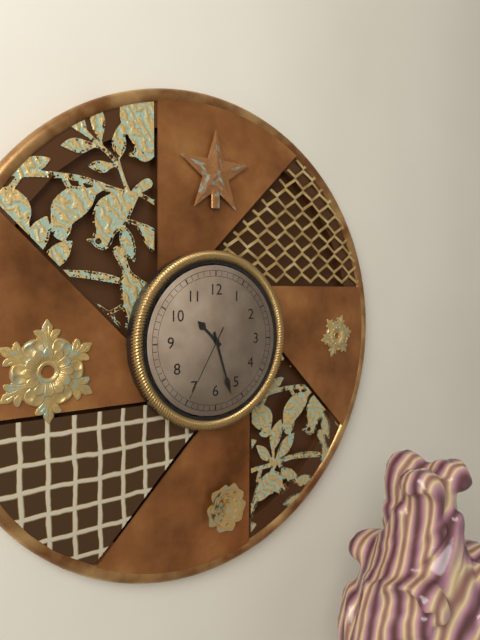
10:27:35
